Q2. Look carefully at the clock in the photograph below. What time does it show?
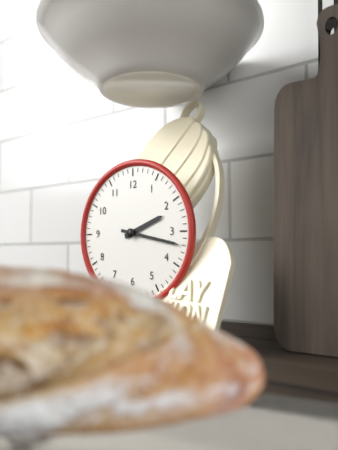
2:17
